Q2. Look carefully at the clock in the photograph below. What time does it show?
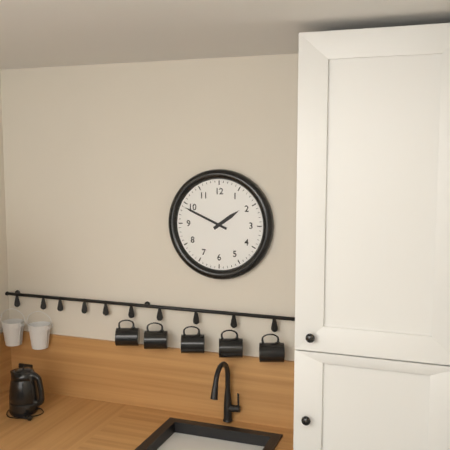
1:49
